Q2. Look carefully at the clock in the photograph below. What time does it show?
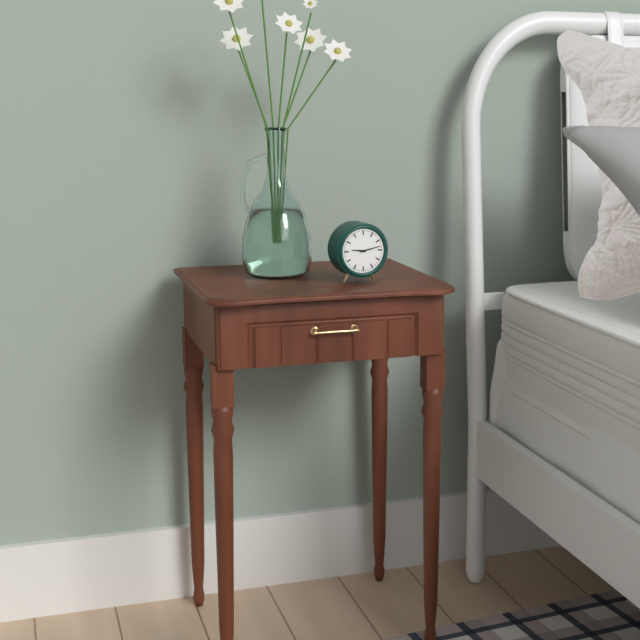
9:13
